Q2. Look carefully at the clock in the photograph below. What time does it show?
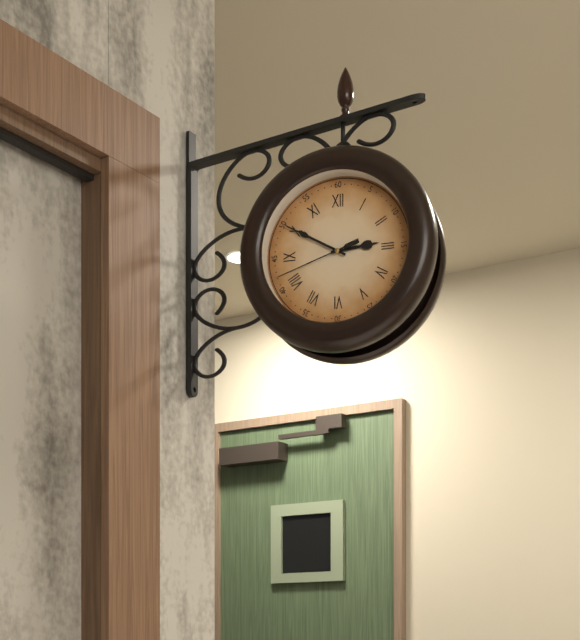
2:50:42
